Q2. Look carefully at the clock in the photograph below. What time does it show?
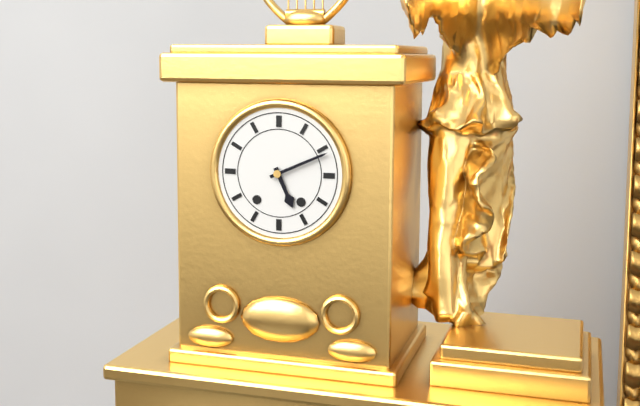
5:11
